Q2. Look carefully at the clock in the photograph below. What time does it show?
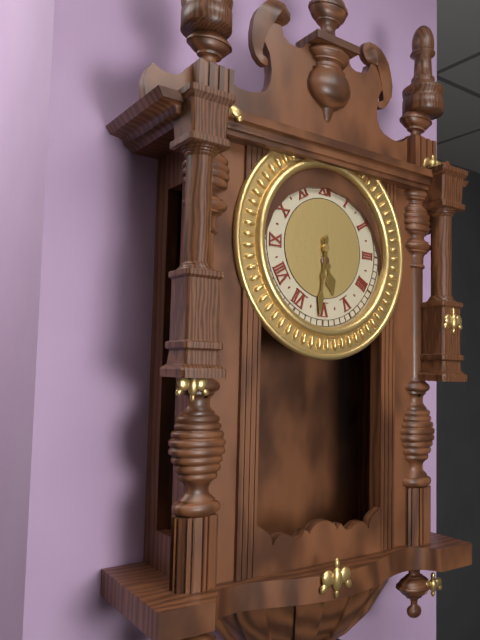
5:31
